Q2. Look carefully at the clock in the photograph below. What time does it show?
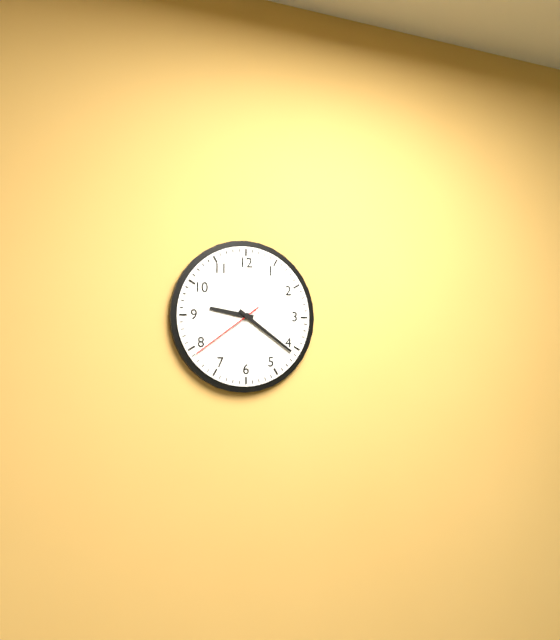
9:21:39
